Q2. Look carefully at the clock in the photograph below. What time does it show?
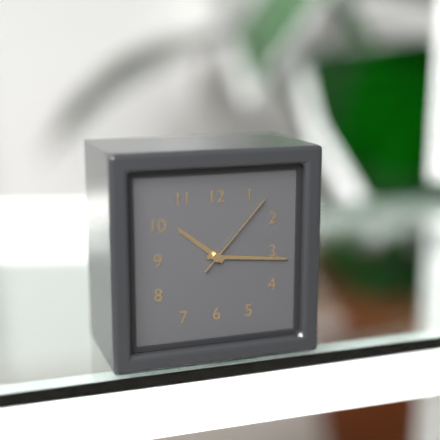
10:16:07
